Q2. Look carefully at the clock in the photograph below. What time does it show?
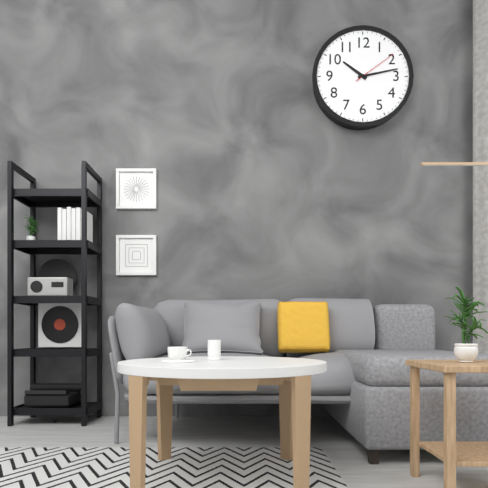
10:13
